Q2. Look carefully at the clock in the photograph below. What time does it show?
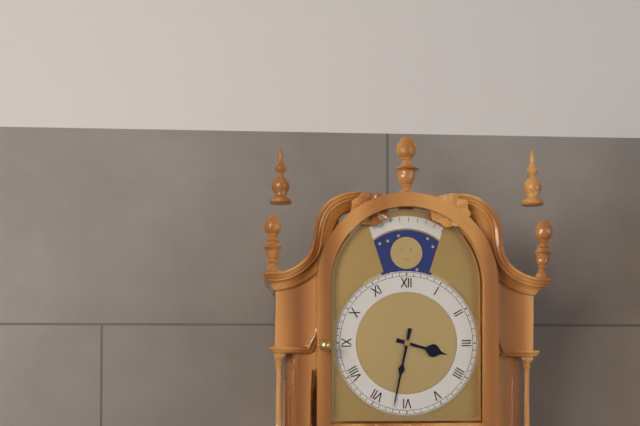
3:32
